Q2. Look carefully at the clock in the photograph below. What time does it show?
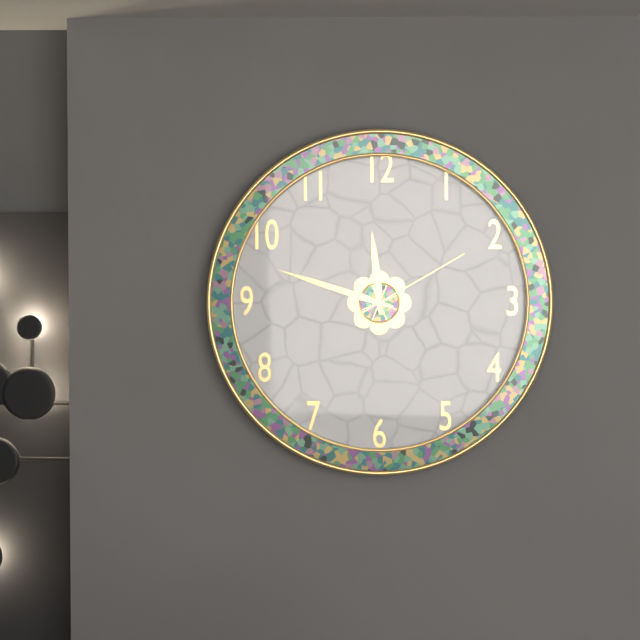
11:48:10
